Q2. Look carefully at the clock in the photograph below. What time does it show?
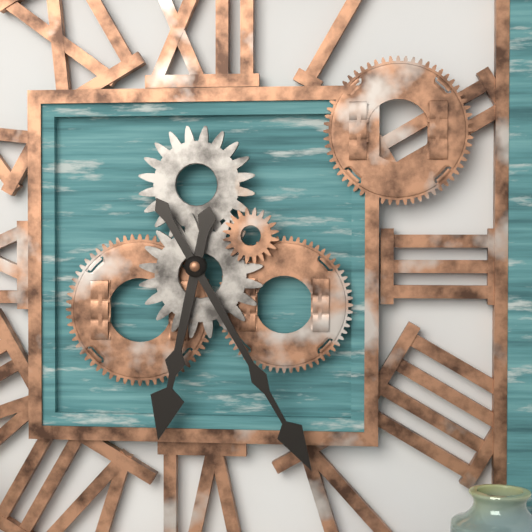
6:25
